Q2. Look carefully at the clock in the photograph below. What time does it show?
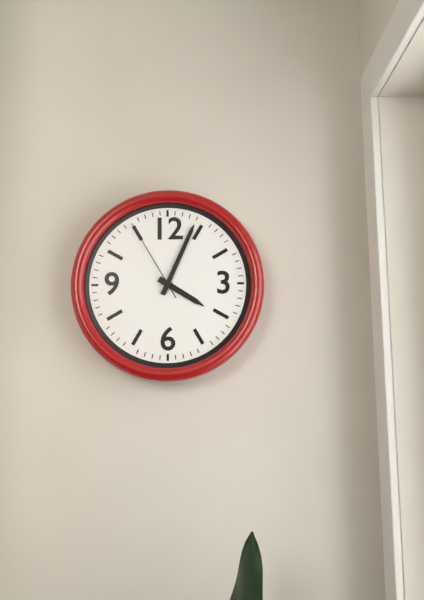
4:04:55
